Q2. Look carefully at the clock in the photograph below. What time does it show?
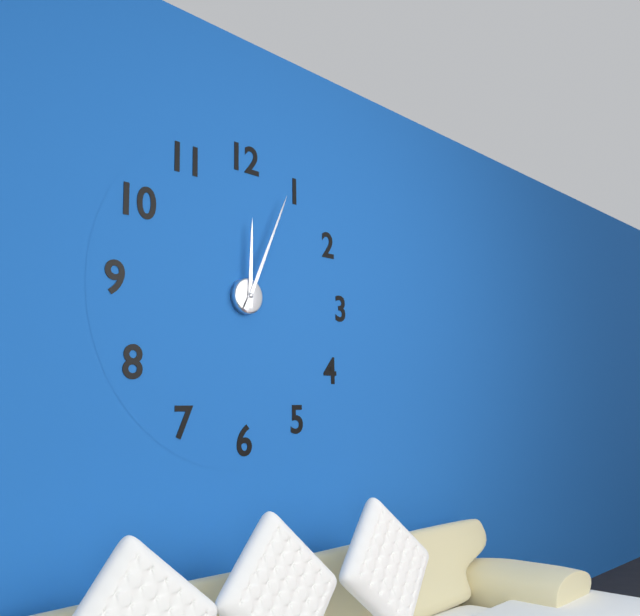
12:04
